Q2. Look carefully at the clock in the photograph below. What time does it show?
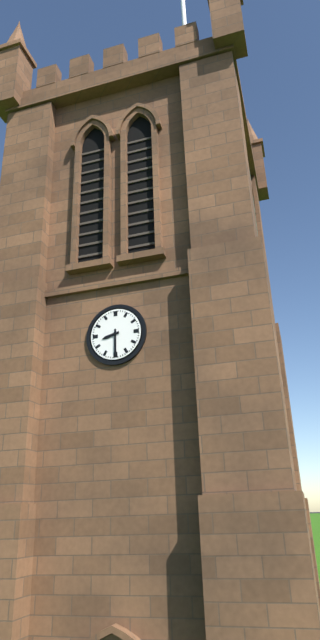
8:30
